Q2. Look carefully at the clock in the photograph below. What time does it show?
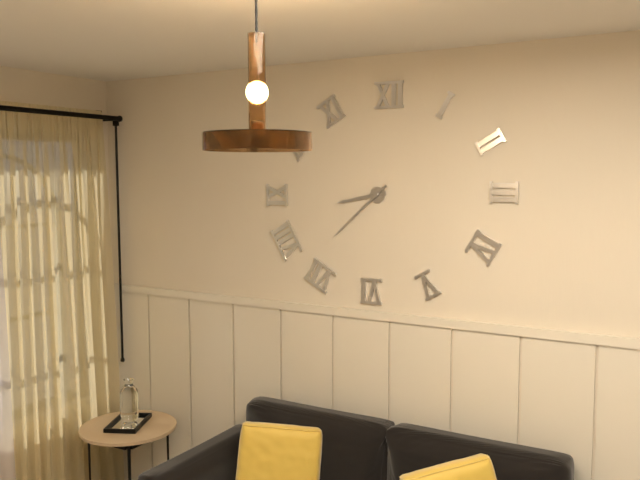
8:38
